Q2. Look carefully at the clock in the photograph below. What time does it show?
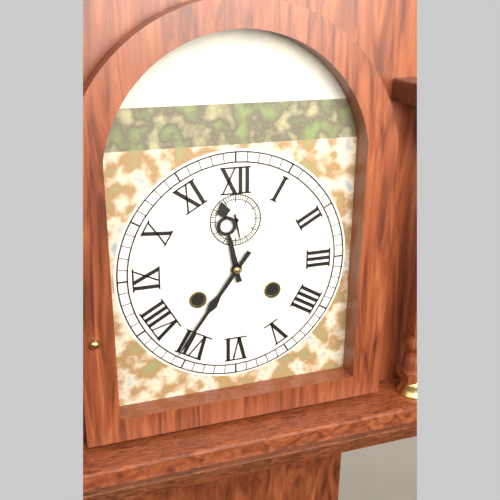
11:36
